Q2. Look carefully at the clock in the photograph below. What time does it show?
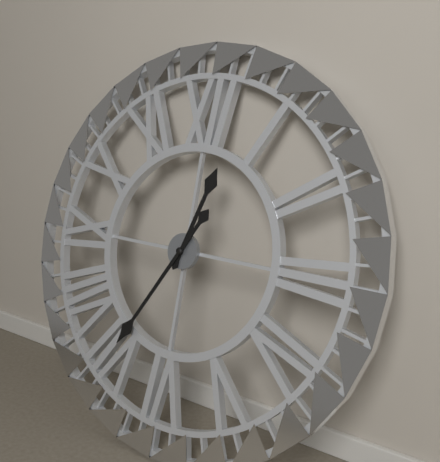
12:35
